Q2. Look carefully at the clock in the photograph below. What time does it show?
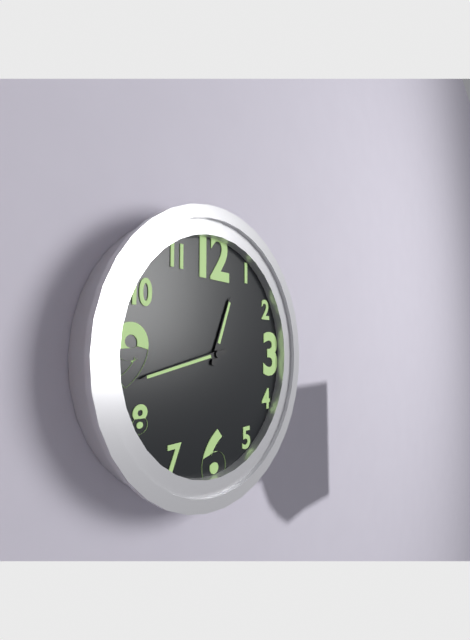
12:43
